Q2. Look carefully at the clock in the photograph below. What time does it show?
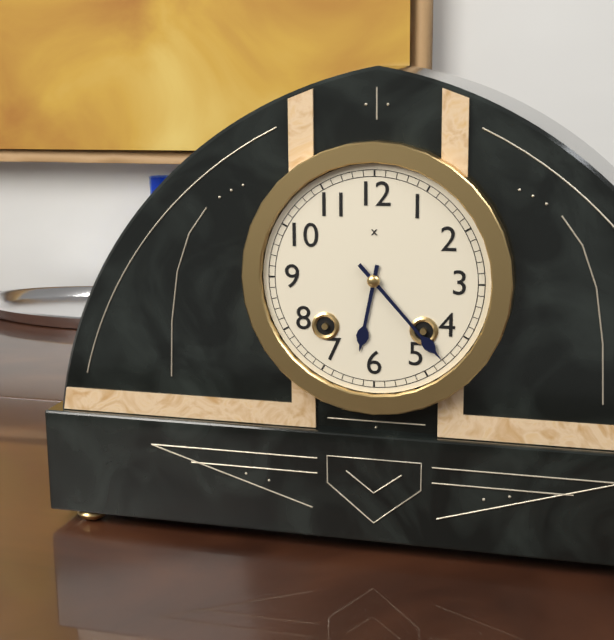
6:23
